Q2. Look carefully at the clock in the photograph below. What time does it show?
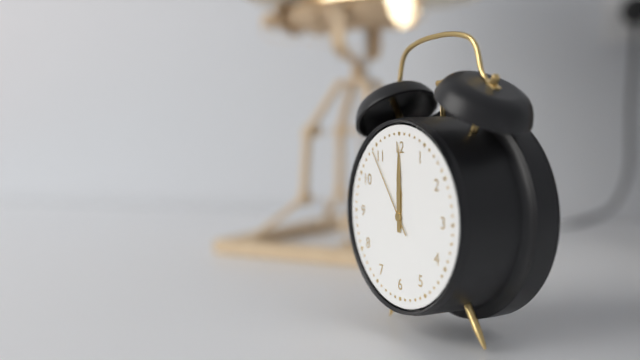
12:00:54
